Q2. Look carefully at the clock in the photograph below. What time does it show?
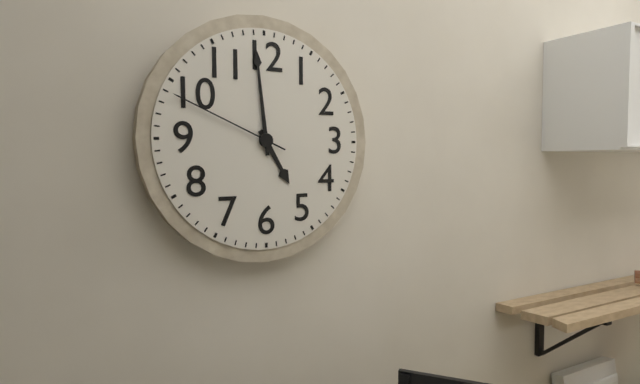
4:59:49
